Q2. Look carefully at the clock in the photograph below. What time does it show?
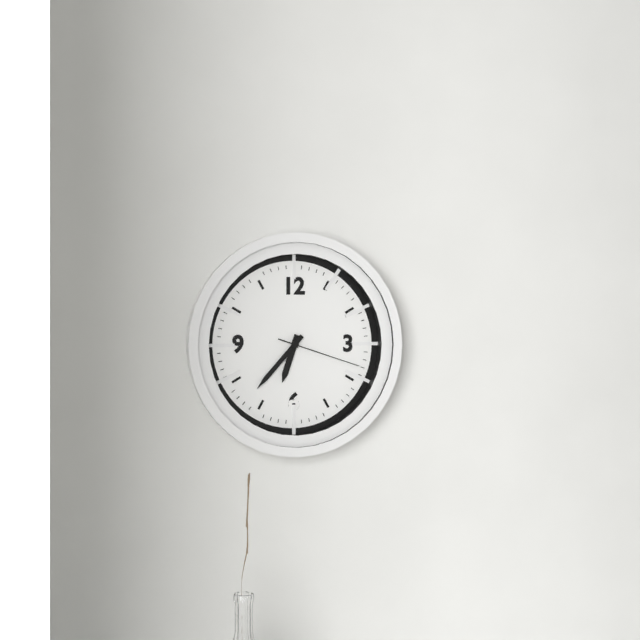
6:37:18
